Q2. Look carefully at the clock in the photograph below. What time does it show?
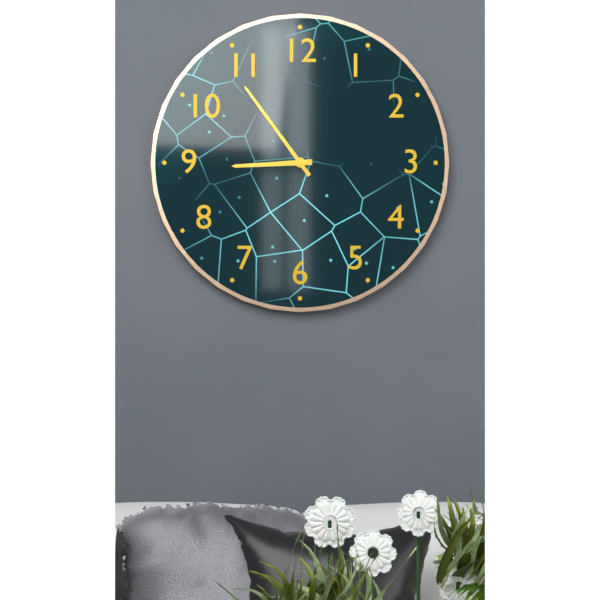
8:54
